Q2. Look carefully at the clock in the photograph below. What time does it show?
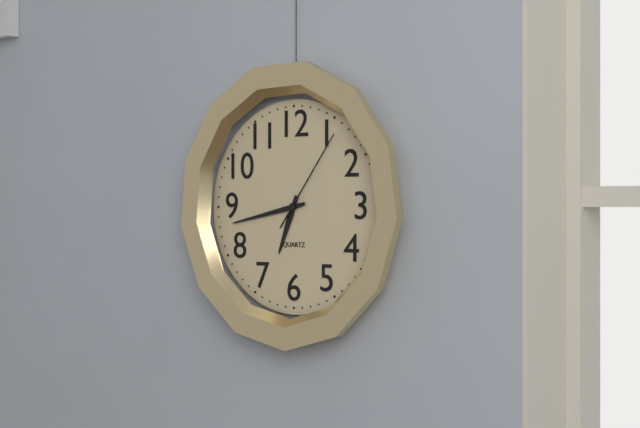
6:43:06
